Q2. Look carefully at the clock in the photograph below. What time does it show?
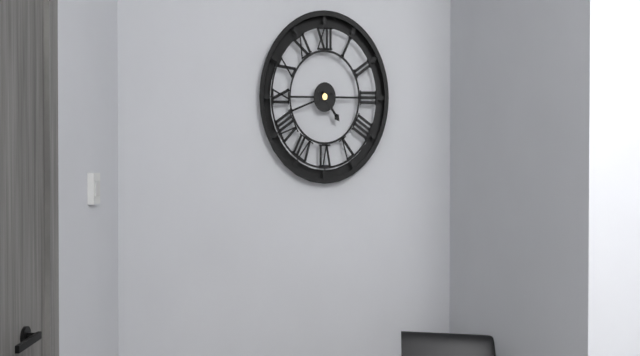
4:42
